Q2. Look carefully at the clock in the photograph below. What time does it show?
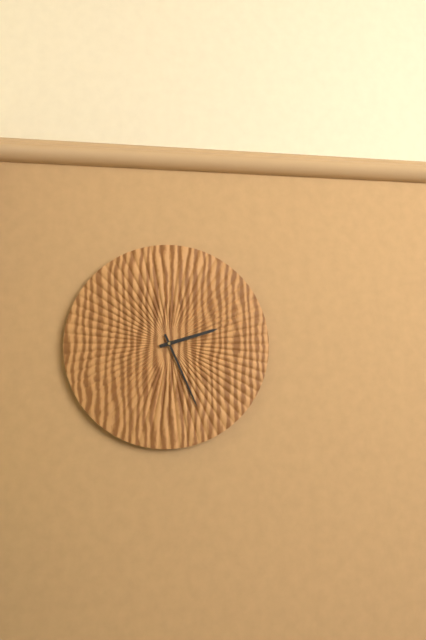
2:26
